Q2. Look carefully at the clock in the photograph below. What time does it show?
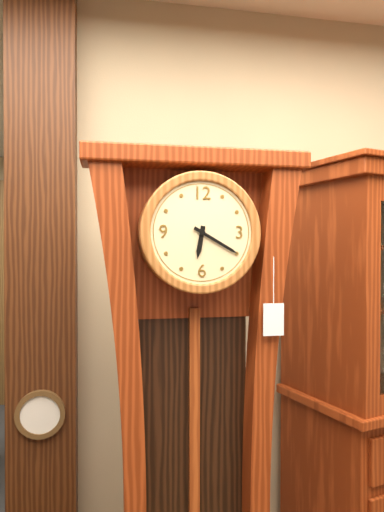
6:20
